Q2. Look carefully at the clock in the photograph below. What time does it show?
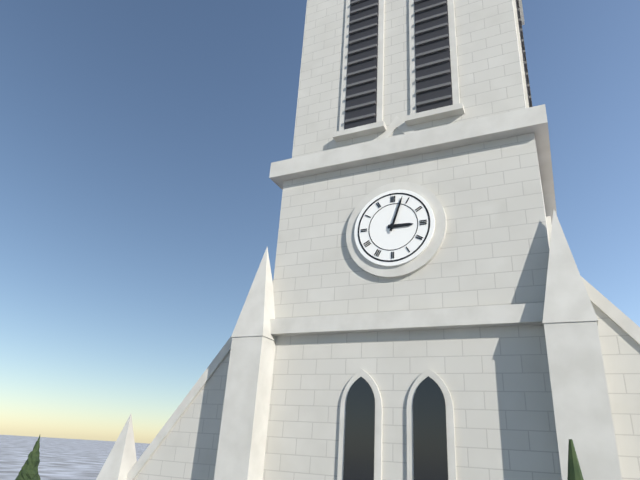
3:03
